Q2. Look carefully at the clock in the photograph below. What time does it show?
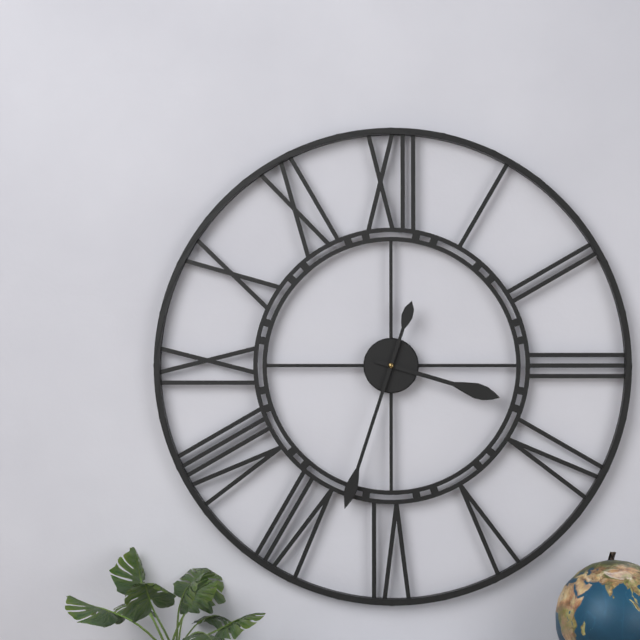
3:33
